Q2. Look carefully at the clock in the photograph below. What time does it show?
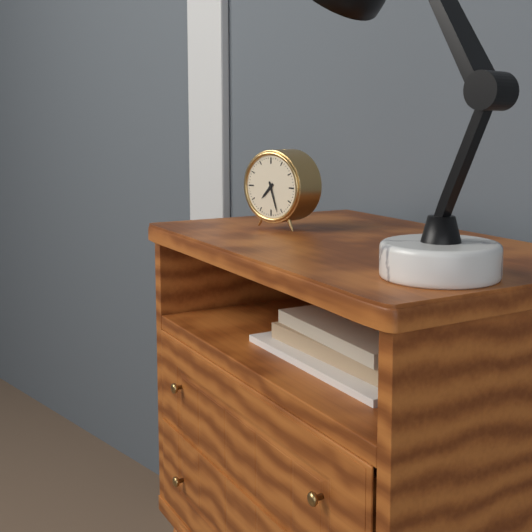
7:27
